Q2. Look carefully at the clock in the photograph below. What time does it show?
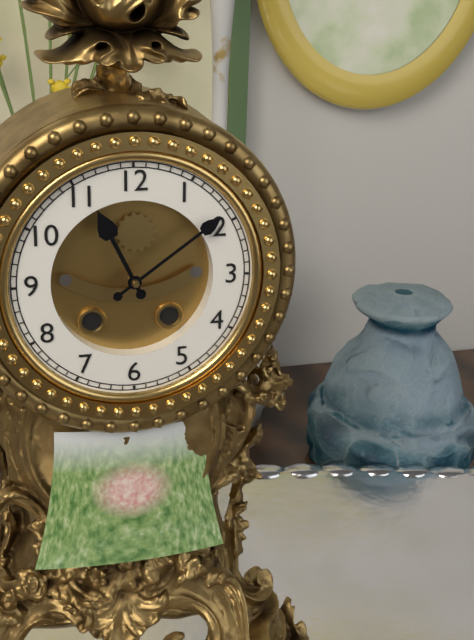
11:09
